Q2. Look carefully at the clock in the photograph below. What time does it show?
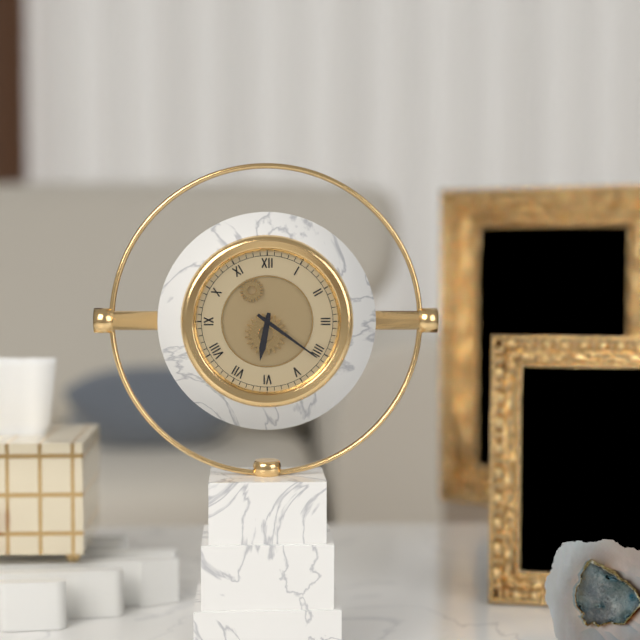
6:21
